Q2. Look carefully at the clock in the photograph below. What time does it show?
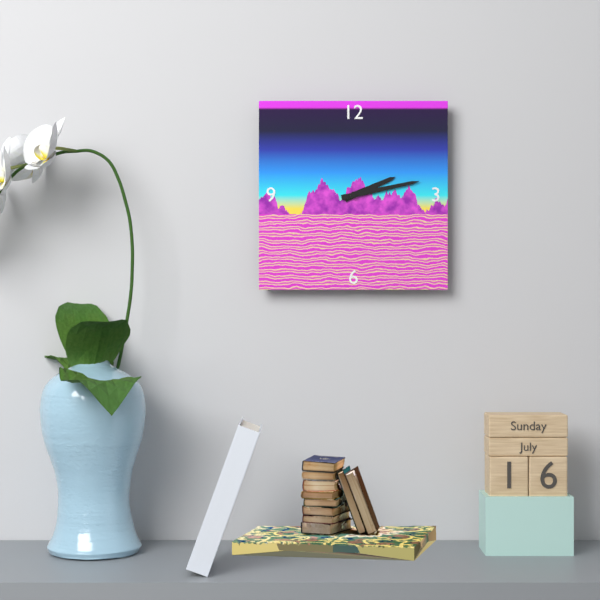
2:13
